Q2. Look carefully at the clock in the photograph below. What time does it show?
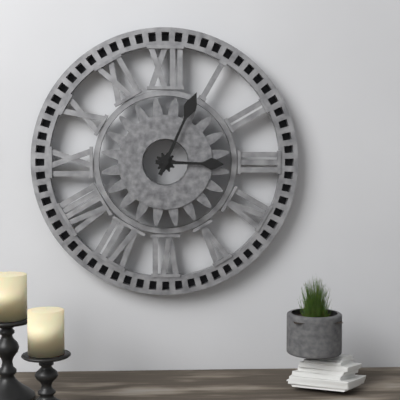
3:04
